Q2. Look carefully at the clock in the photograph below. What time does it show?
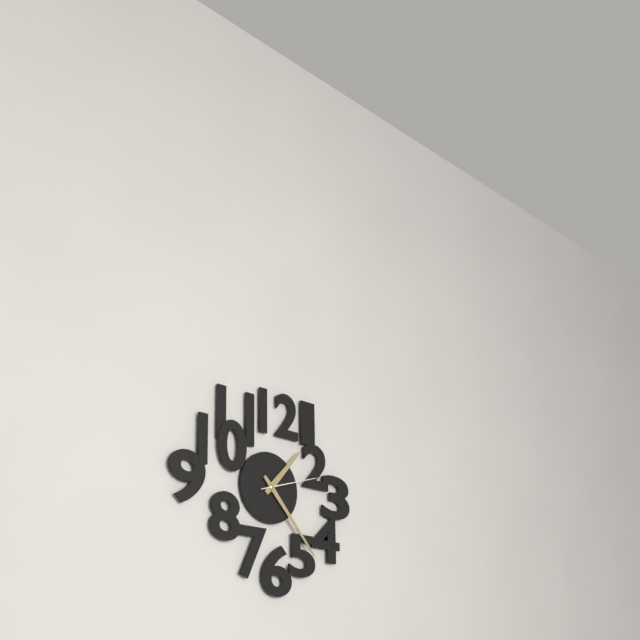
1:23:12
